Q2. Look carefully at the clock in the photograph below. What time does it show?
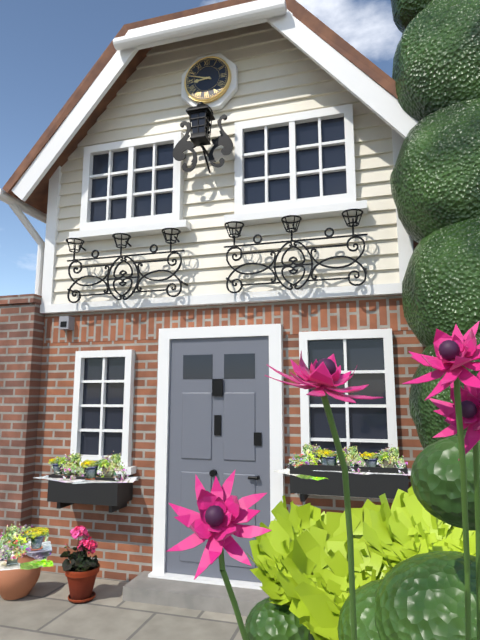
8:48
